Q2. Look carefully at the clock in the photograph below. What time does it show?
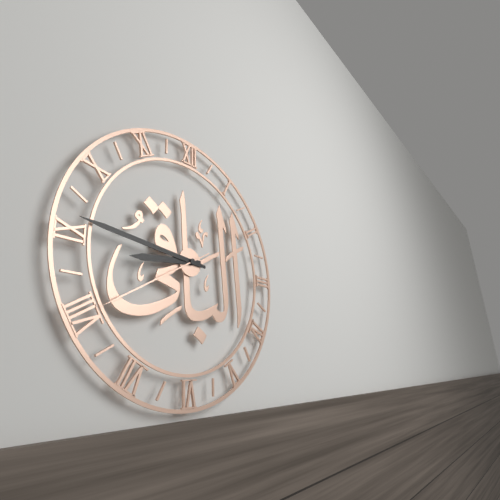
8:46:40
